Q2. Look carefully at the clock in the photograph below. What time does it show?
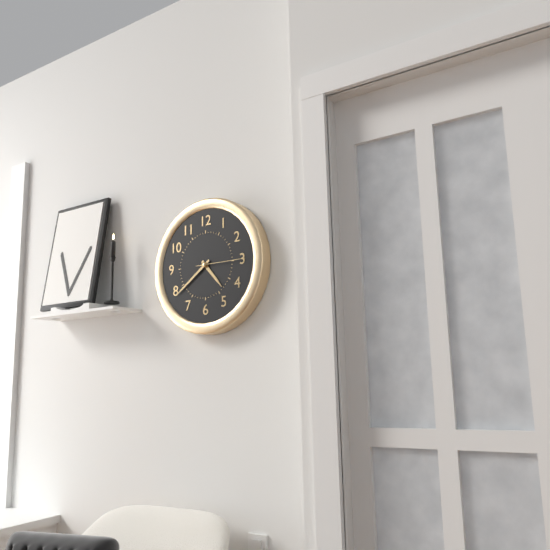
4:39:15
